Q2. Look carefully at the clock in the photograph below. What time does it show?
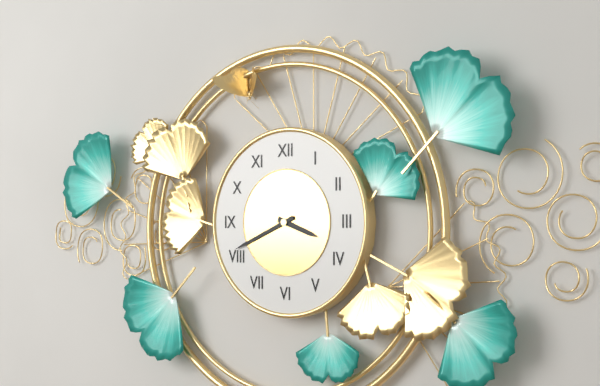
3:41
